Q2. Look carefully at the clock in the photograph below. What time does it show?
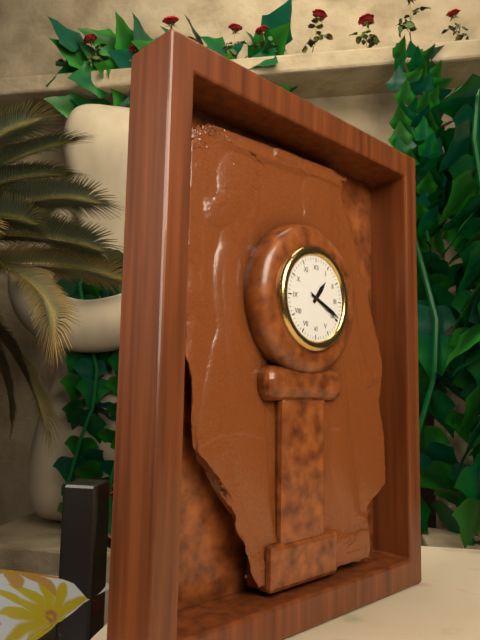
1:19
